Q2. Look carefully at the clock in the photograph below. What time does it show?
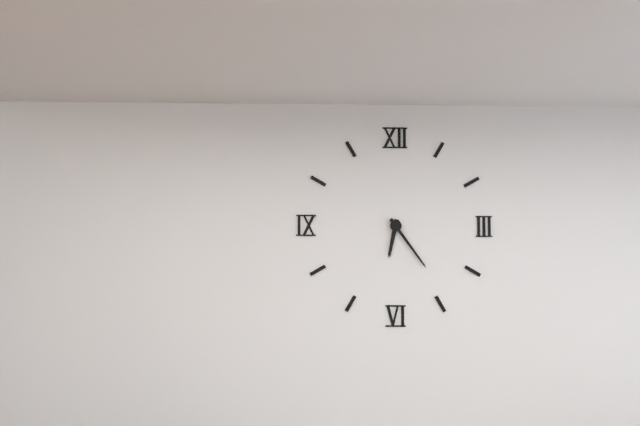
6:24
